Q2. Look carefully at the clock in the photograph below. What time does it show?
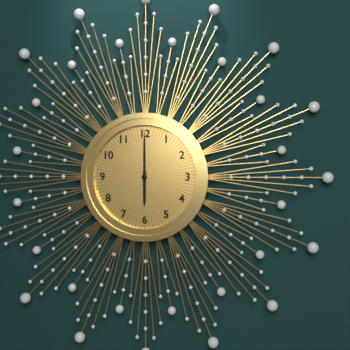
6:00
